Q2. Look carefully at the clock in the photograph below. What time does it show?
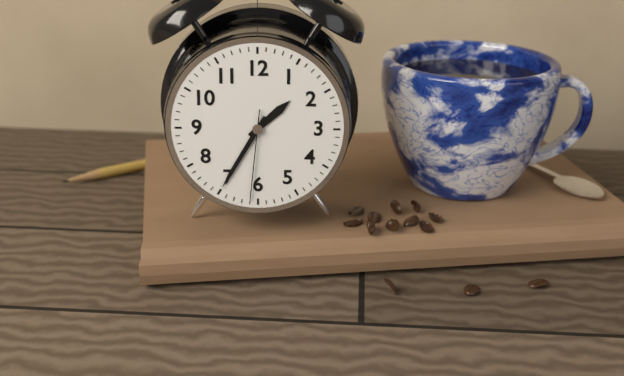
1:35:31
